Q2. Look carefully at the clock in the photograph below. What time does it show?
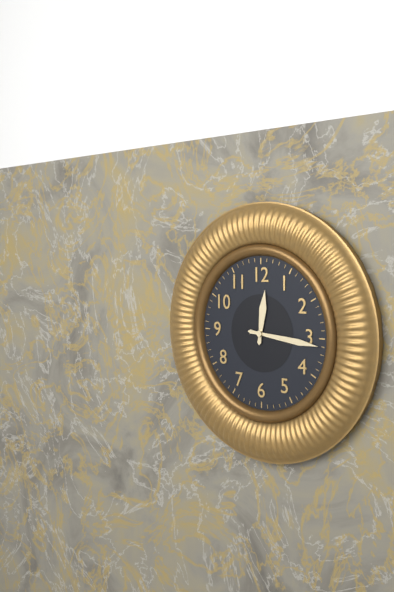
12:16
